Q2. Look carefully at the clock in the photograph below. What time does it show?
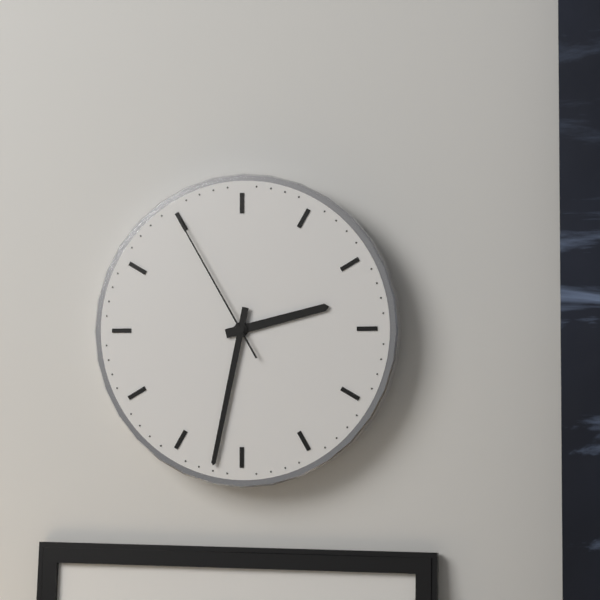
2:32:55
